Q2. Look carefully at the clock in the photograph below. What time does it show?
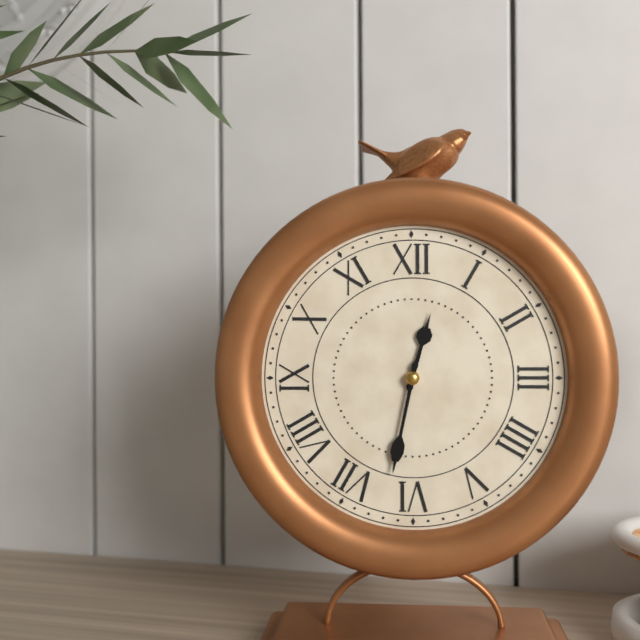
12:32
